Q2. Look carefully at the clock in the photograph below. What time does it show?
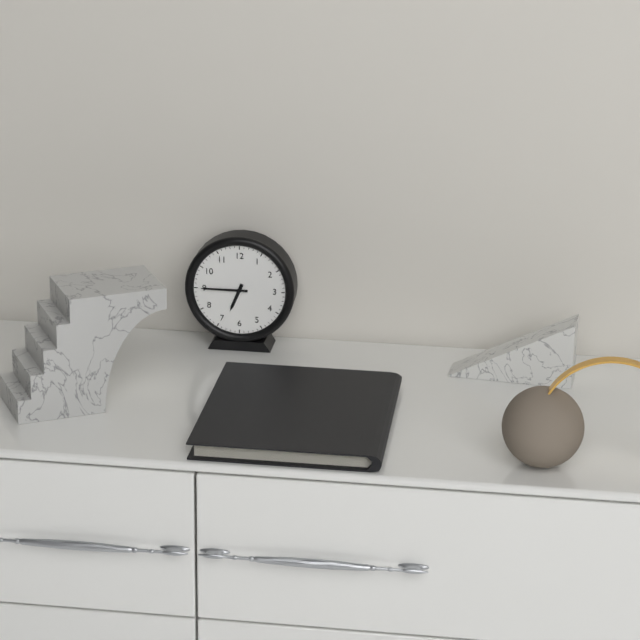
6:45
